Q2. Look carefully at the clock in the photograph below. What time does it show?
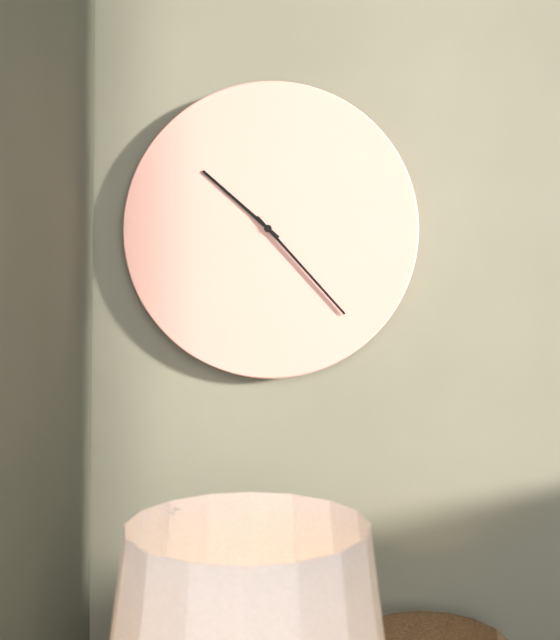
10:23
